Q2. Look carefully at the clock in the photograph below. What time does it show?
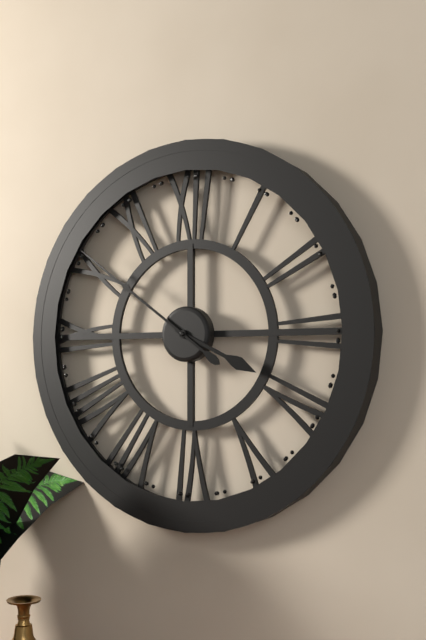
3:51
